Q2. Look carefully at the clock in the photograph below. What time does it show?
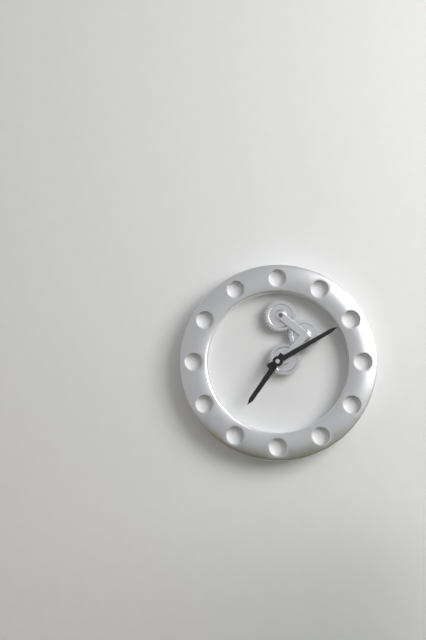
7:10
